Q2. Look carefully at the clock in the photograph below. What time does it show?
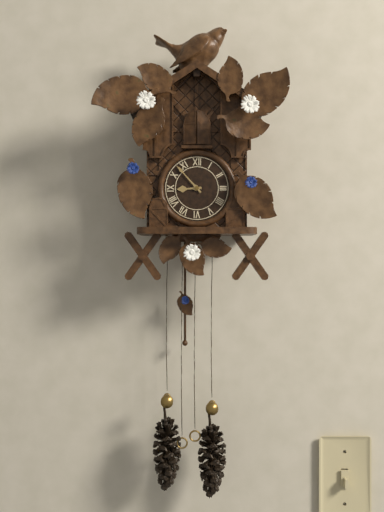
8:53
